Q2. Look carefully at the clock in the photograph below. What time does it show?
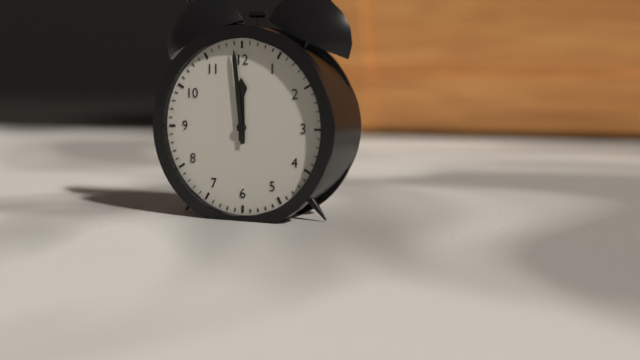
11:59
